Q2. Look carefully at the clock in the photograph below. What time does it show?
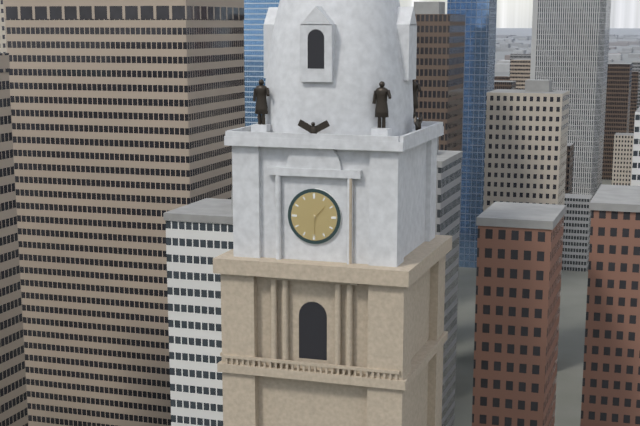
1:30
